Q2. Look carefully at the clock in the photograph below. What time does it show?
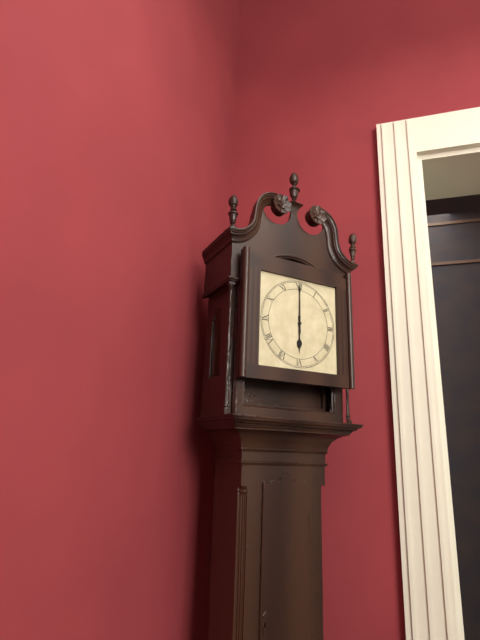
6:00
